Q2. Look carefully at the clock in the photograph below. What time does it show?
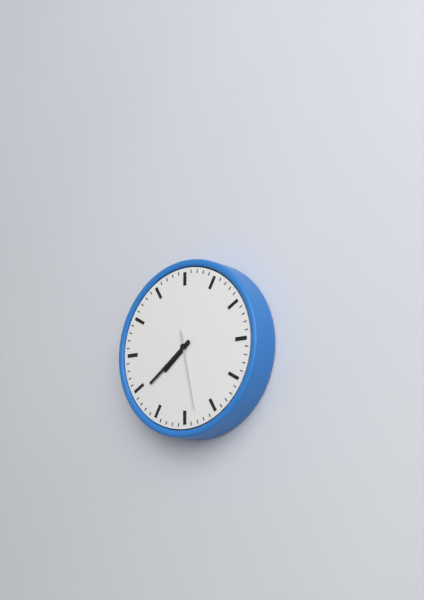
7:39:28
